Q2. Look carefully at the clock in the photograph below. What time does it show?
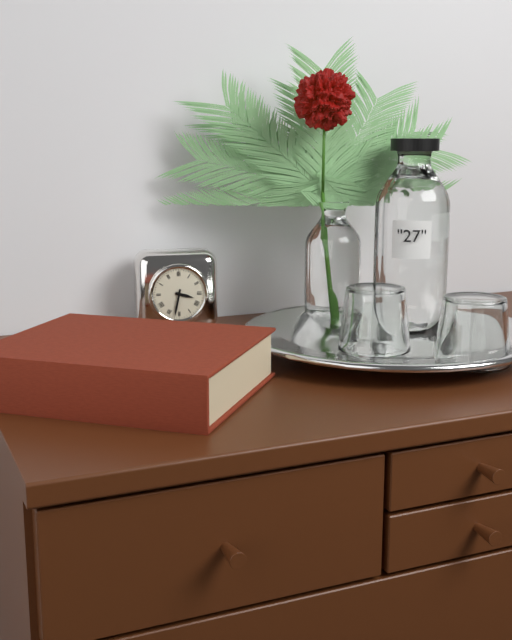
3:32
